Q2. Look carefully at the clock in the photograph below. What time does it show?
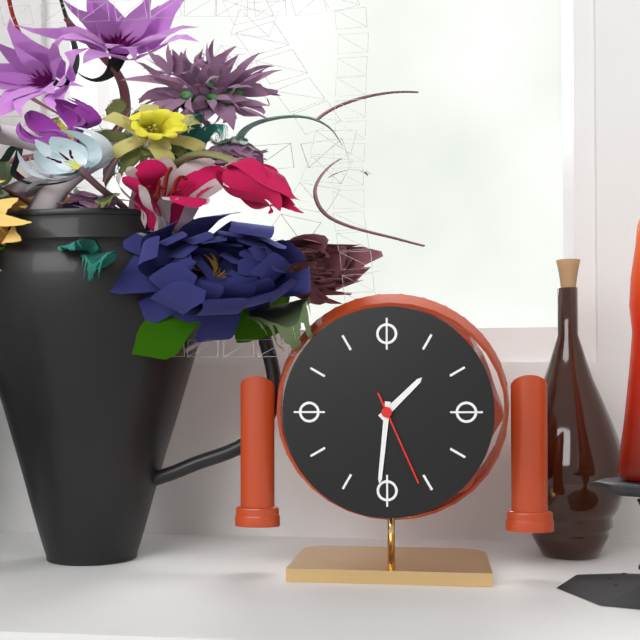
1:31:26
